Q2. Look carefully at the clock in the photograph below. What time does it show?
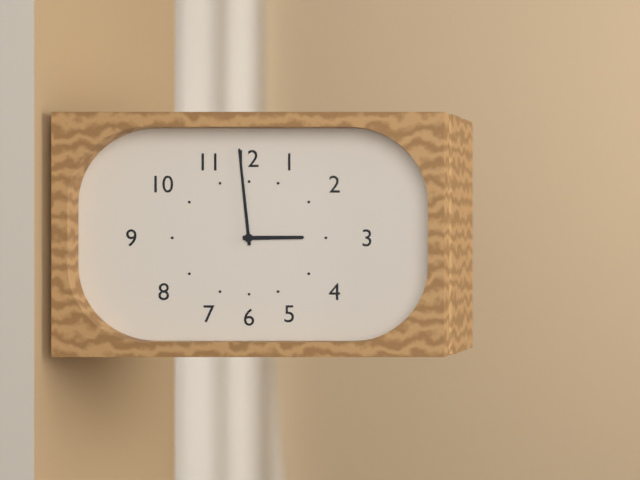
2:59
